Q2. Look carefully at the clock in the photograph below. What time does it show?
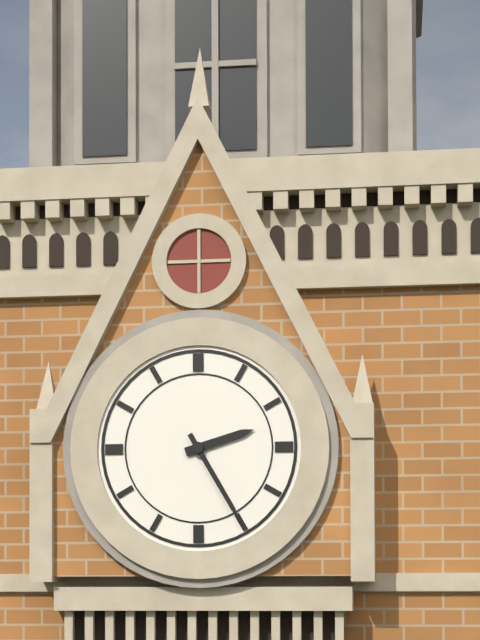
2:25
